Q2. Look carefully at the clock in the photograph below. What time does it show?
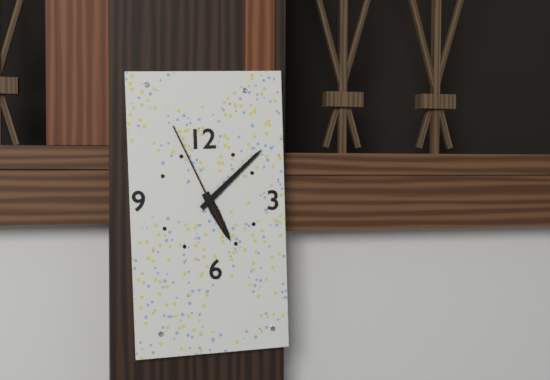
5:08:56
